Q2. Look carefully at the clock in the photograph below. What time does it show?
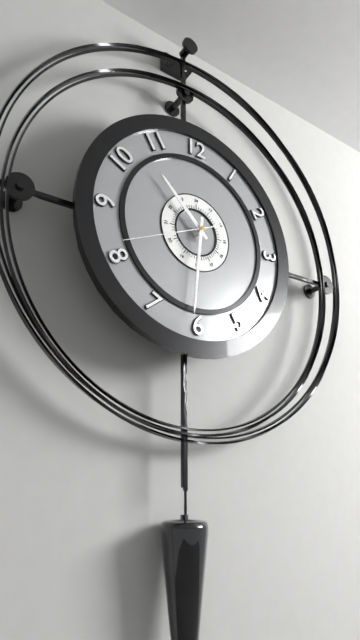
10:31:41
